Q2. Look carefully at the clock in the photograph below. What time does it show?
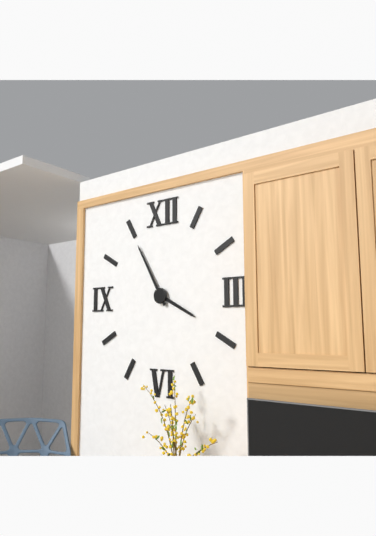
3:55
